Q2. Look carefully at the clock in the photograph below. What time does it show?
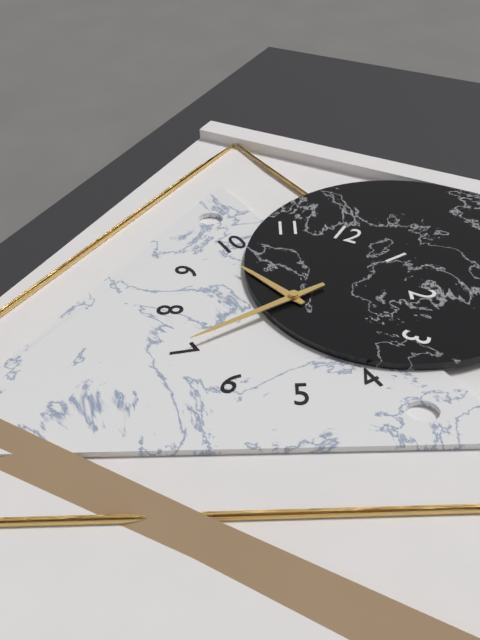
9:35
